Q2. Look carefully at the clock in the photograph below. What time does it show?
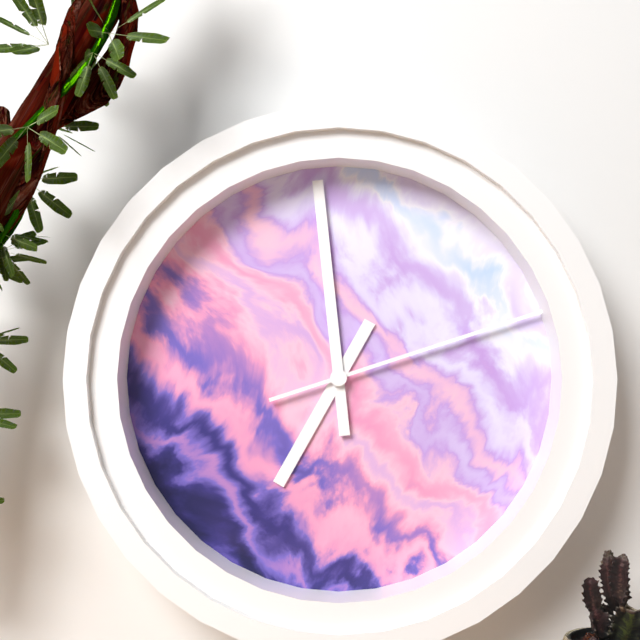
6:59:12
